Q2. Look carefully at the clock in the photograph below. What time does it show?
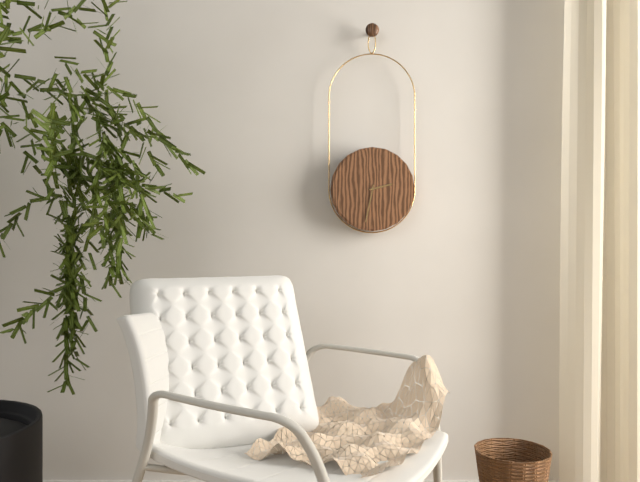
2:32
